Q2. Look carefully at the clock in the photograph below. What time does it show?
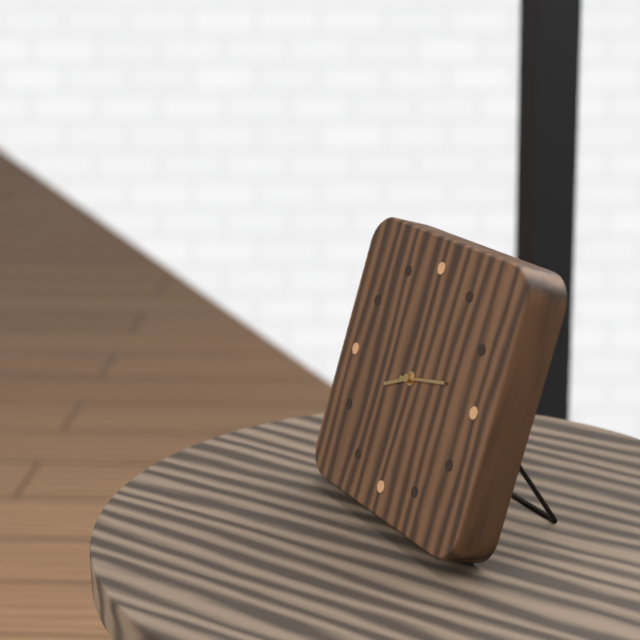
8:13
